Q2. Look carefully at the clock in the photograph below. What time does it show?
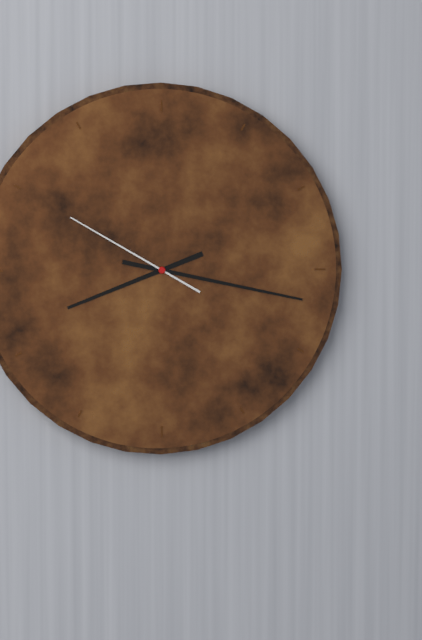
8:17:50
